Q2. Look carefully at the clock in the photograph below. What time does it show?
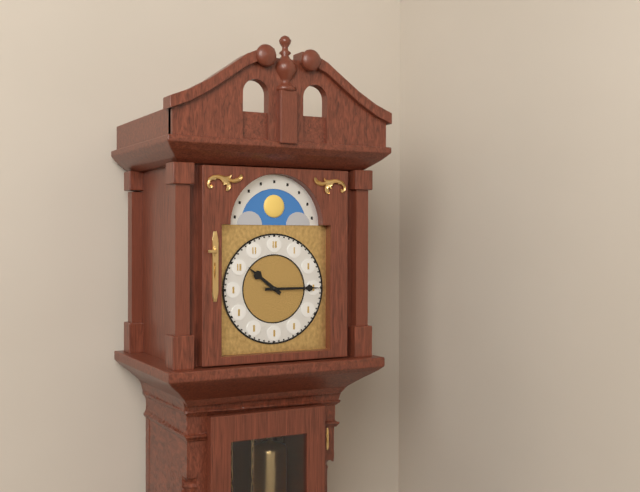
10:15
